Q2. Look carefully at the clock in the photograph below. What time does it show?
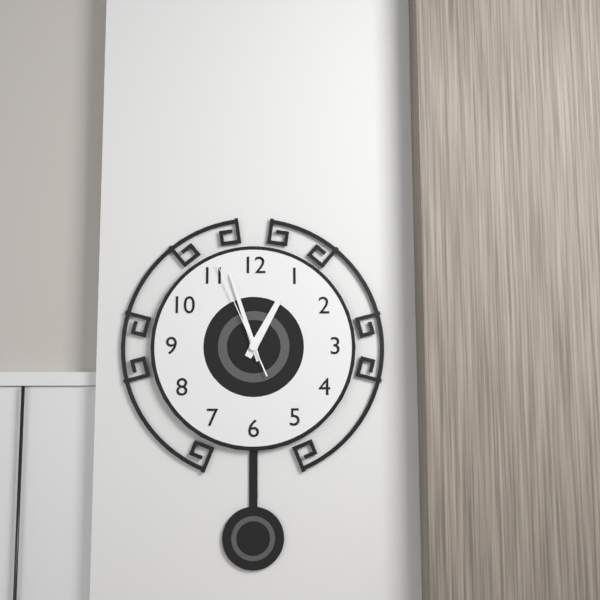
12:57:56
